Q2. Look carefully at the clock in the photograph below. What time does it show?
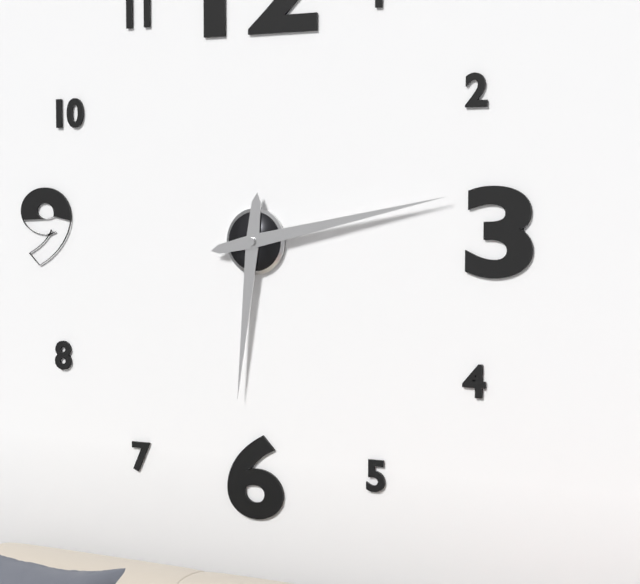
6:13
